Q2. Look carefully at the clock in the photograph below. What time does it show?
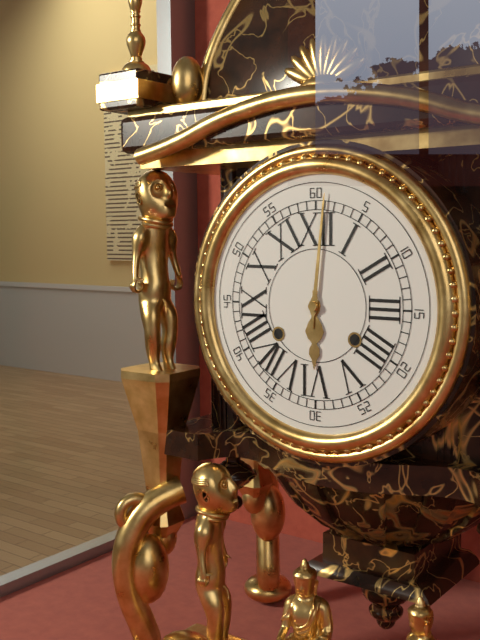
6:01
